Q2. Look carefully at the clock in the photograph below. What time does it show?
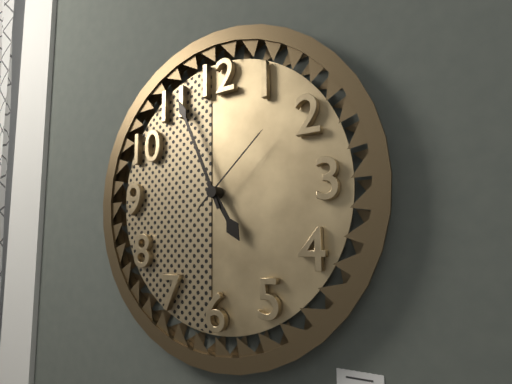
4:56:08
